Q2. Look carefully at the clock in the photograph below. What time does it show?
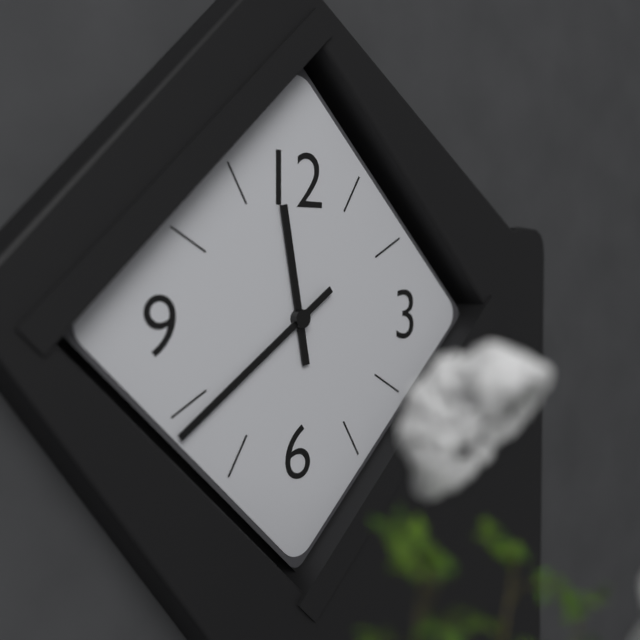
11:39
